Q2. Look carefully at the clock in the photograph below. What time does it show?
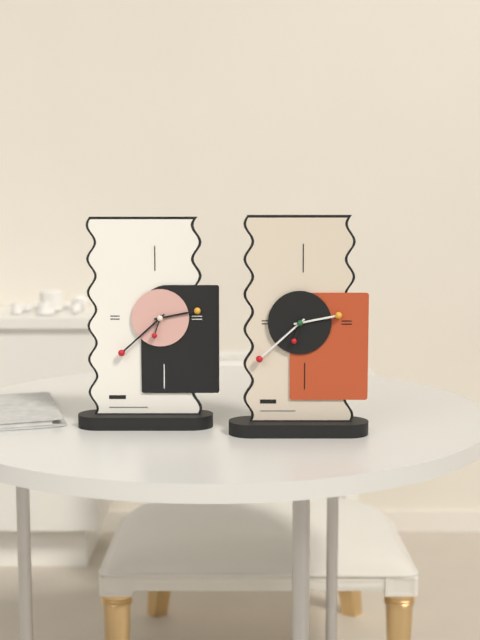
2:38
